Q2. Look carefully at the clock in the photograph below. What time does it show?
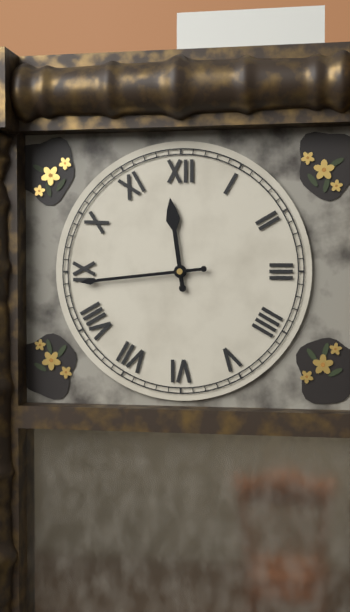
11:44
